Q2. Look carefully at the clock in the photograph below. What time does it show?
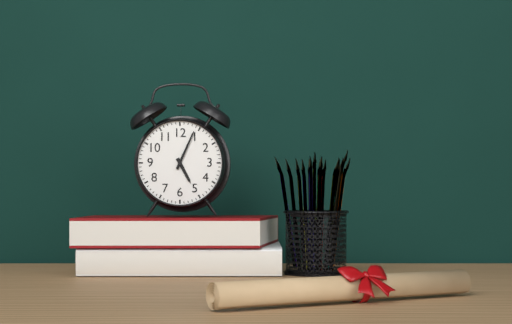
5:04
